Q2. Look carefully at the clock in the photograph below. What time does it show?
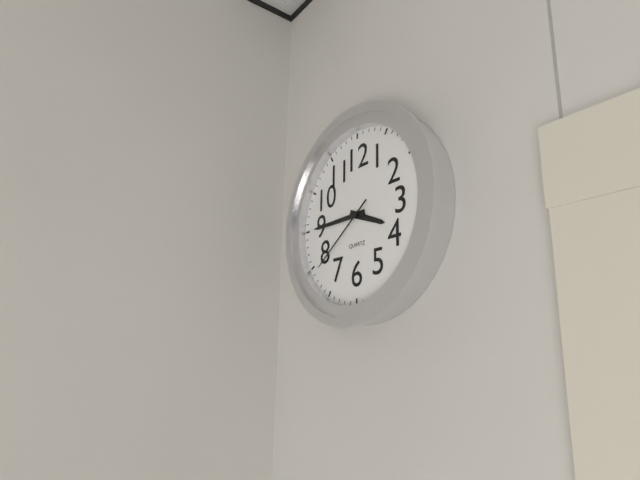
3:45:39
